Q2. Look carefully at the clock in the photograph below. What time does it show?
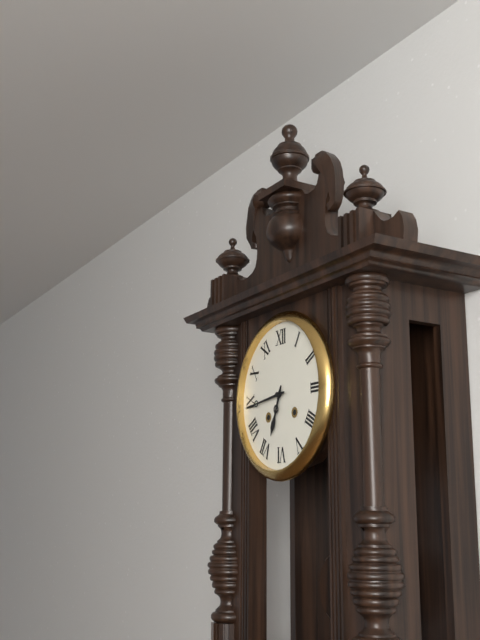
6:44
